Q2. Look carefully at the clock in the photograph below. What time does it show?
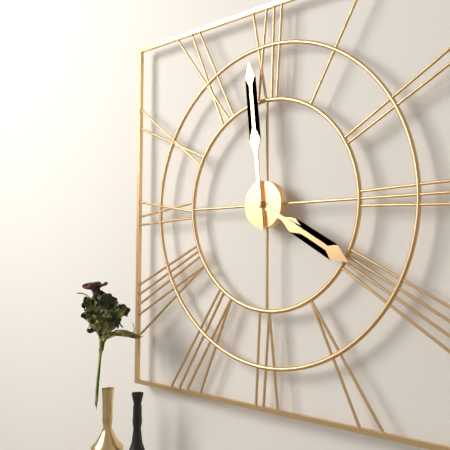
3:59
